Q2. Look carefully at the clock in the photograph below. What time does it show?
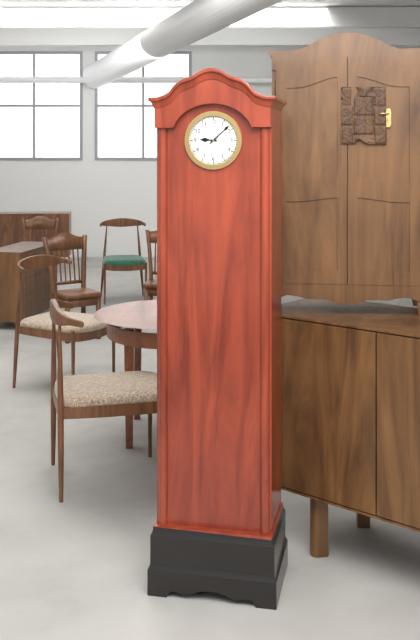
9:08
